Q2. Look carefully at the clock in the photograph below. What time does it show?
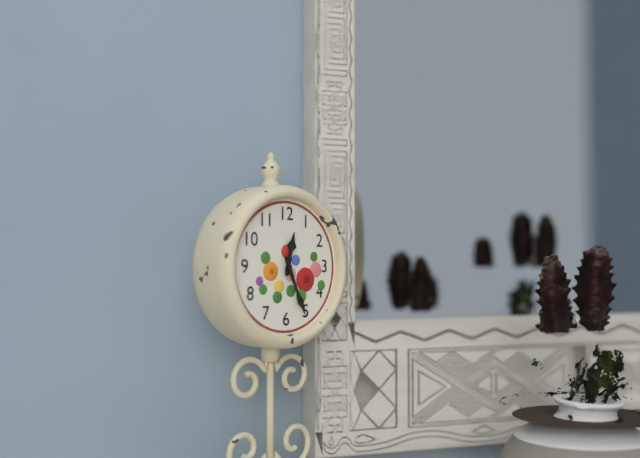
12:26
